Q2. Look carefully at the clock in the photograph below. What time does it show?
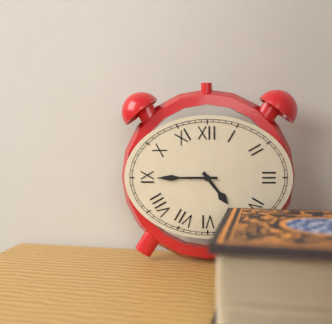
4:45
